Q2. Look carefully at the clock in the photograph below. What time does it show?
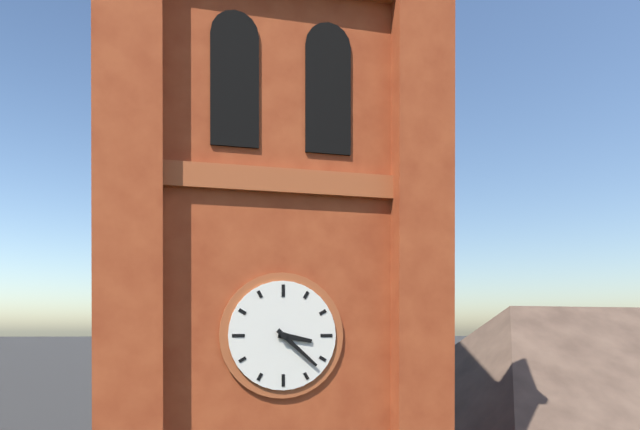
3:22
